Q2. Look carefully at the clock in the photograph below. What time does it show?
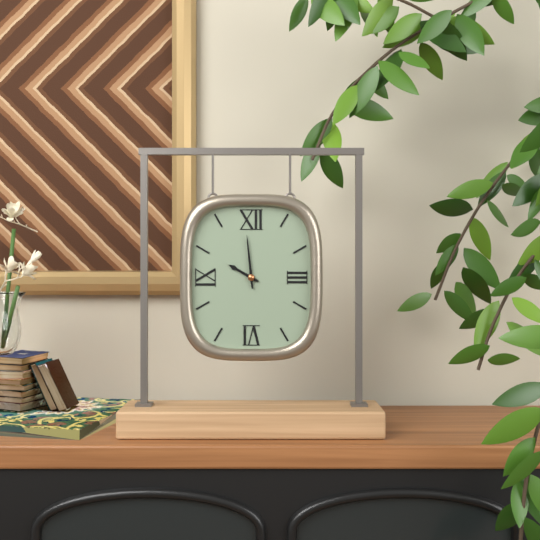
9:59
